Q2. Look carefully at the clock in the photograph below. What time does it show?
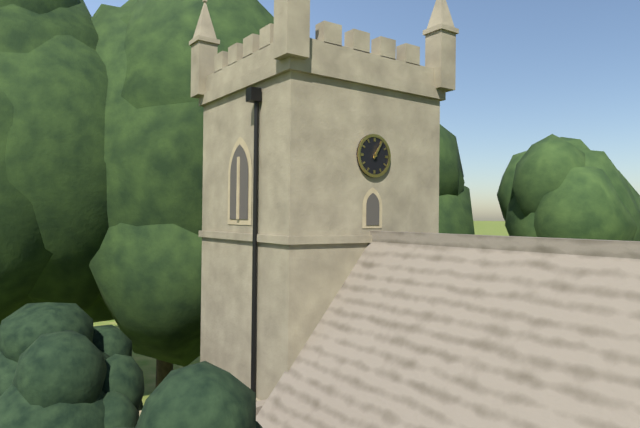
1:05
